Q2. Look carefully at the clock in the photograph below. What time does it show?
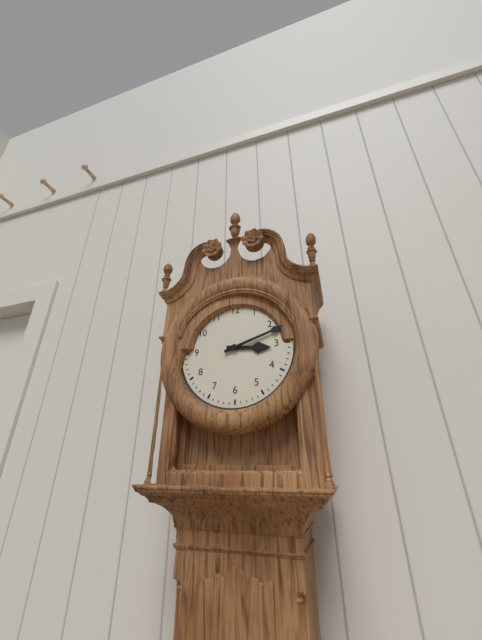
3:12
